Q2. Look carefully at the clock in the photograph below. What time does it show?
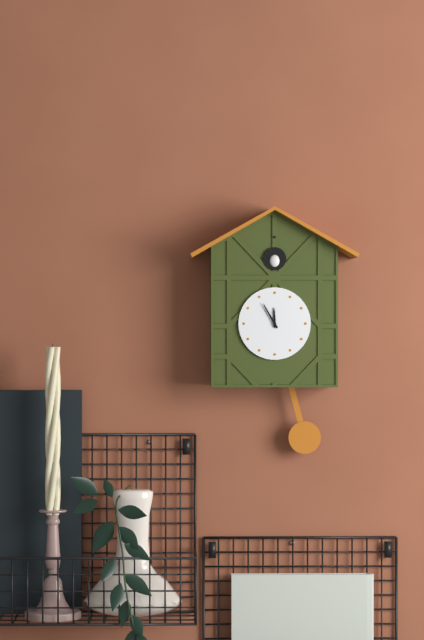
11:55
